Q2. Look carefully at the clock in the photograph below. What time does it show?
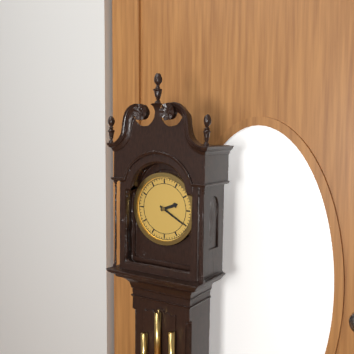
2:20
